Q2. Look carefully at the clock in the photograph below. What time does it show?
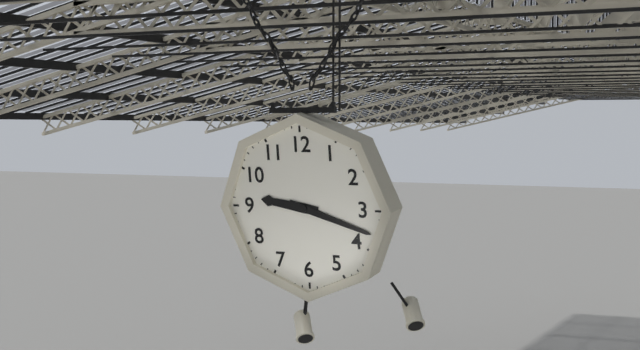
9:18
